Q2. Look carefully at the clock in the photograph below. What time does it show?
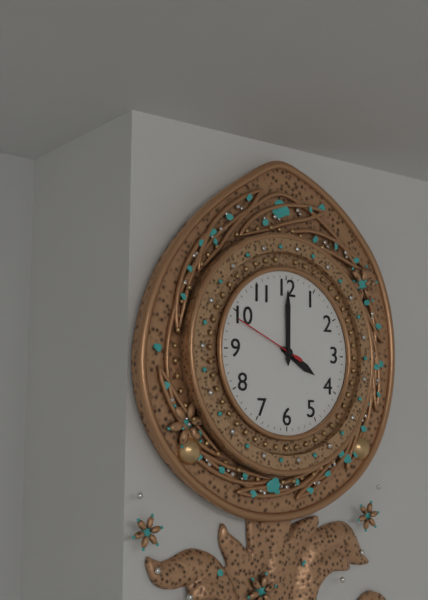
4:00:49
